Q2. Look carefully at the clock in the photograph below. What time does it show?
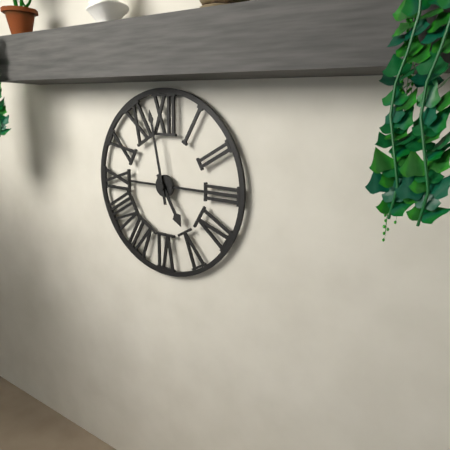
4:58
